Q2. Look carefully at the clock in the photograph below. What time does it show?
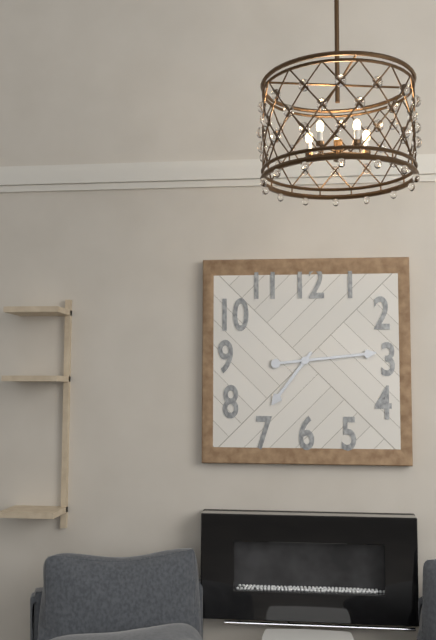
7:14
